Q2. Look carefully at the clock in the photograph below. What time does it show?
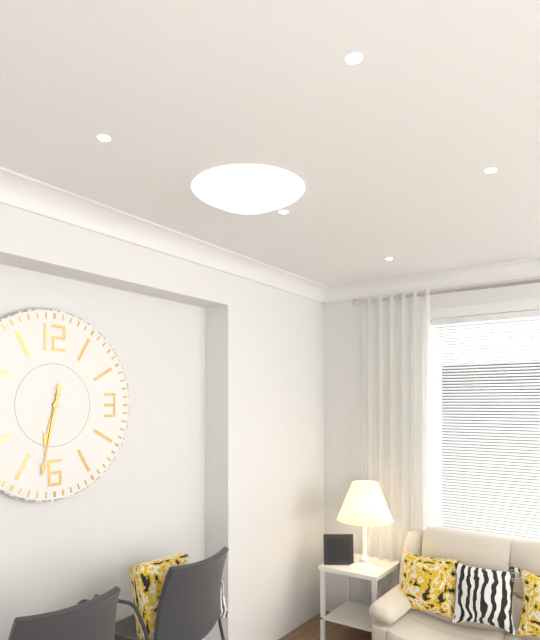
6:32
